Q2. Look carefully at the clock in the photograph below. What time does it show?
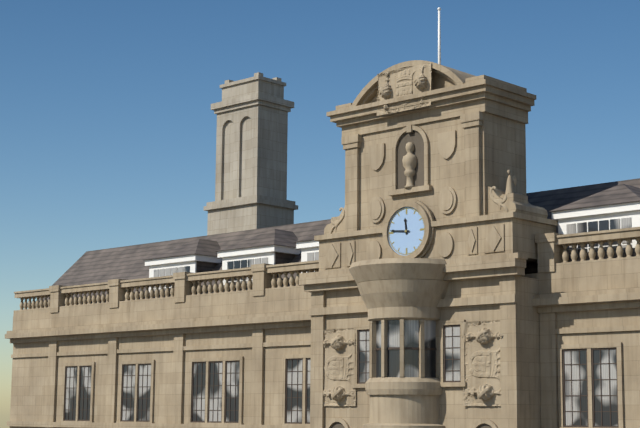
11:46
